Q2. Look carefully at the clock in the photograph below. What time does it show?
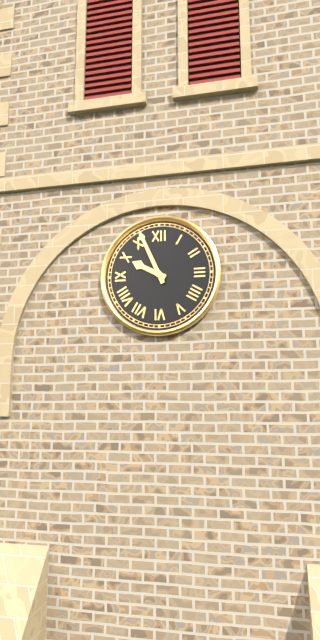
9:56
